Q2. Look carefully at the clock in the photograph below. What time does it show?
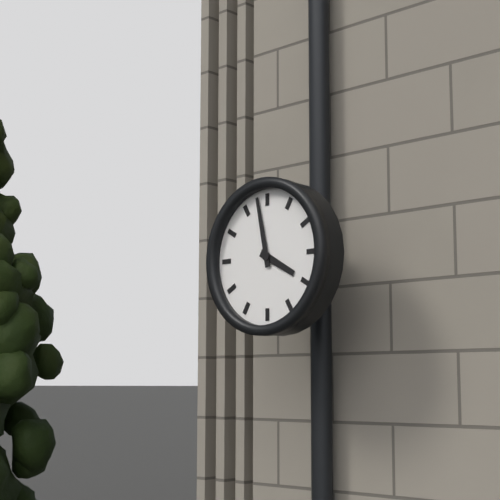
3:58
